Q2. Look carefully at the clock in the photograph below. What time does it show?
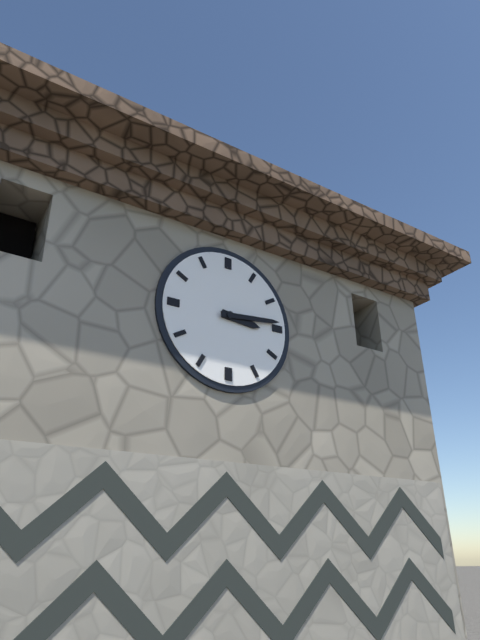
3:14
